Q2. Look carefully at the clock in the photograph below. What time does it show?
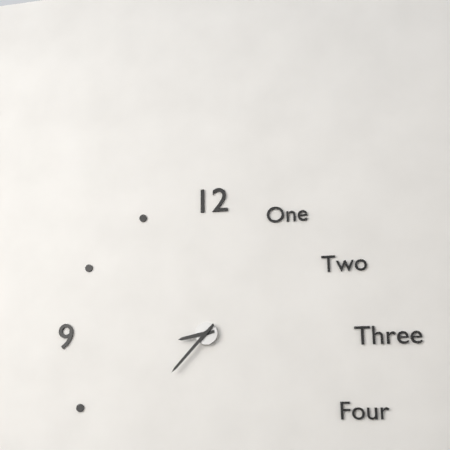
8:37
